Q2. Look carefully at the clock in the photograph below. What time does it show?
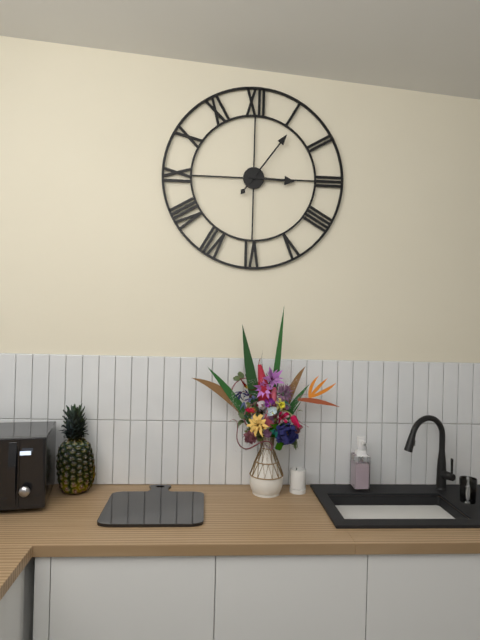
3:06
